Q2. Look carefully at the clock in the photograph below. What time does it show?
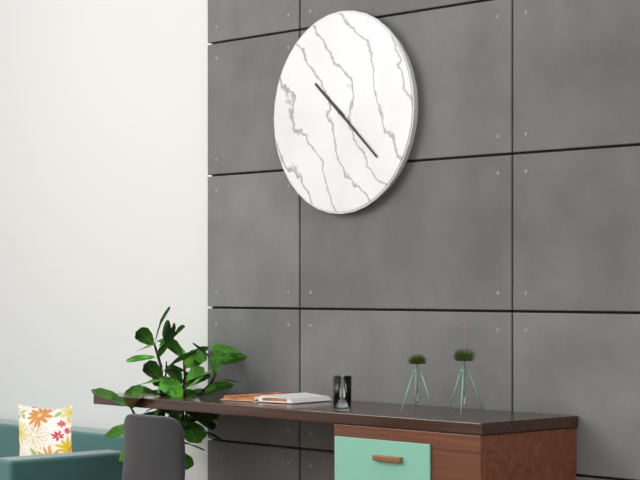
10:22
